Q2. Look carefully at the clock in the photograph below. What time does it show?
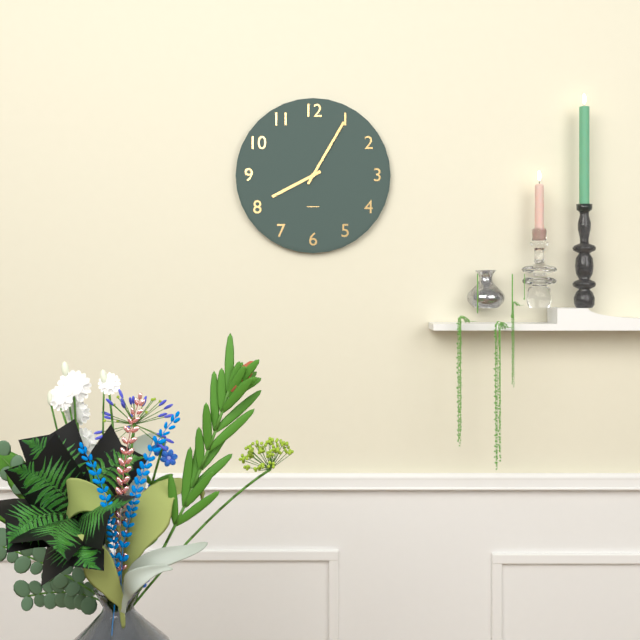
8:05
